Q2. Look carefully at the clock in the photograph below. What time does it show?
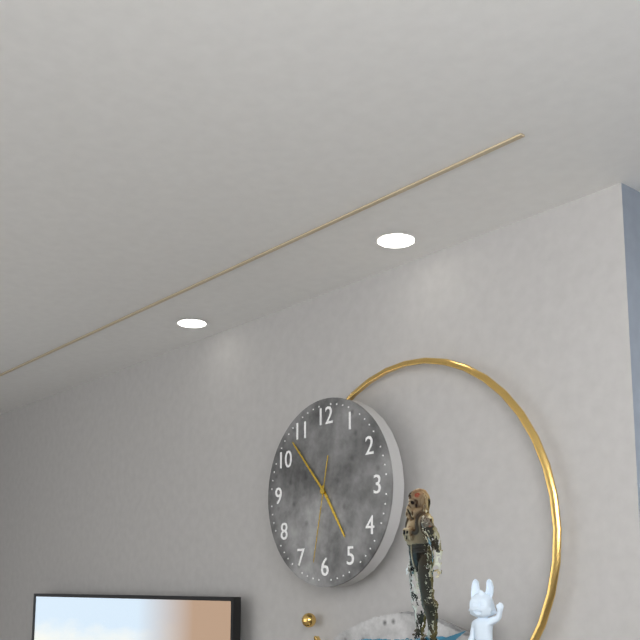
4:53:32
